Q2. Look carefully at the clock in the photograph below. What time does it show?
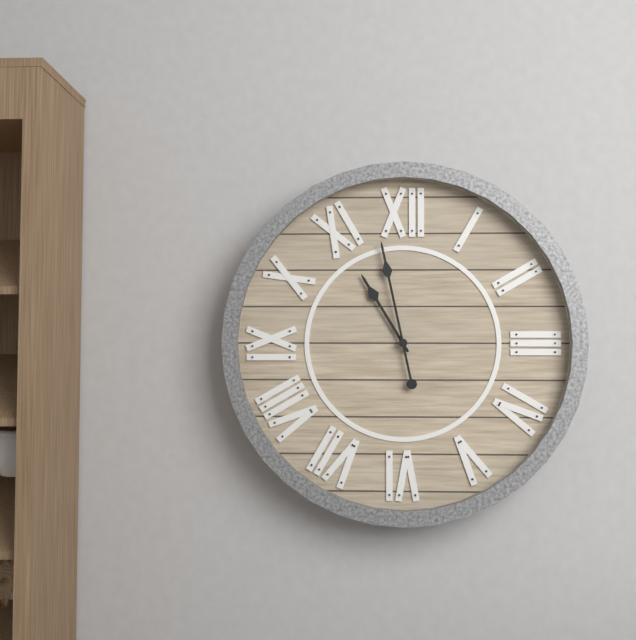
10:58
